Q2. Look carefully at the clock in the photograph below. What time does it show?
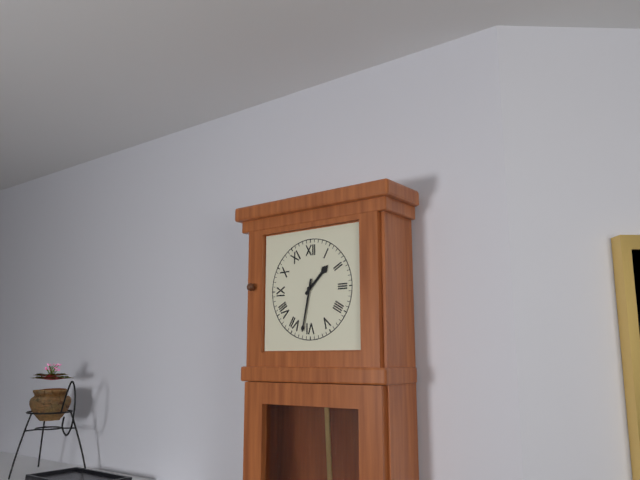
1:32
